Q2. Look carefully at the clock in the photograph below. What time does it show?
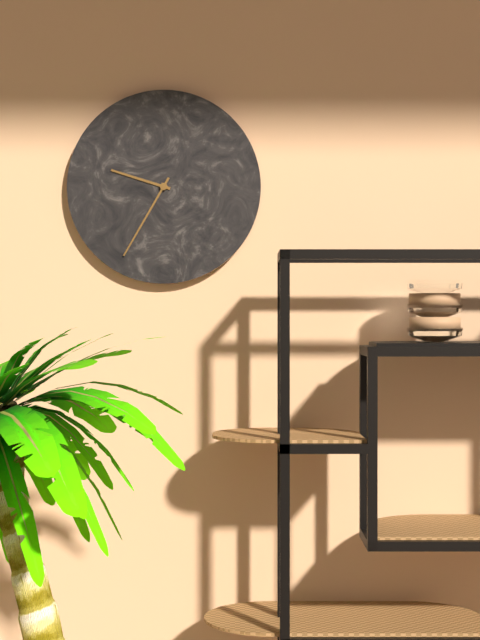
9:35
